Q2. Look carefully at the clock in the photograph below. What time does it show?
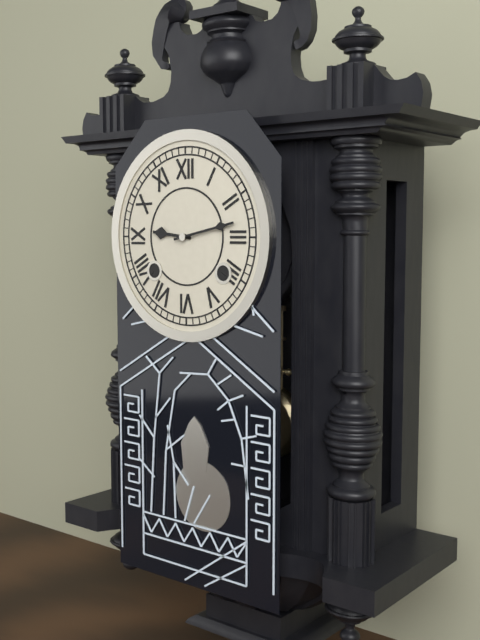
9:13
